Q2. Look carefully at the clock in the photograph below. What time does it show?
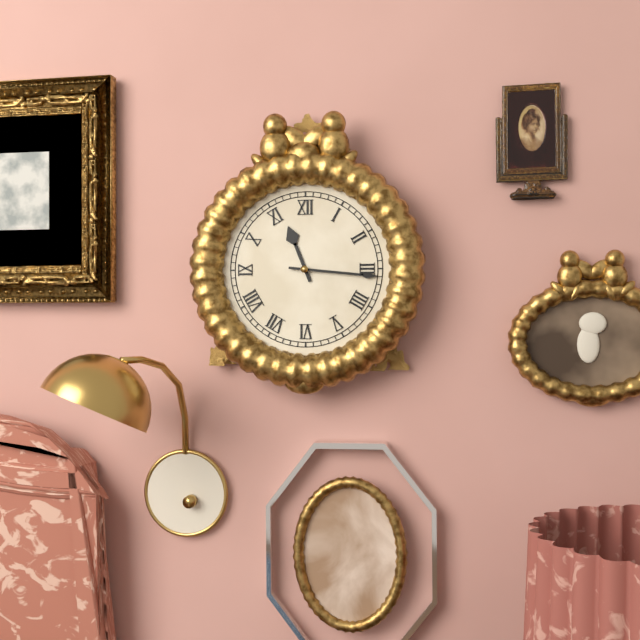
11:16
